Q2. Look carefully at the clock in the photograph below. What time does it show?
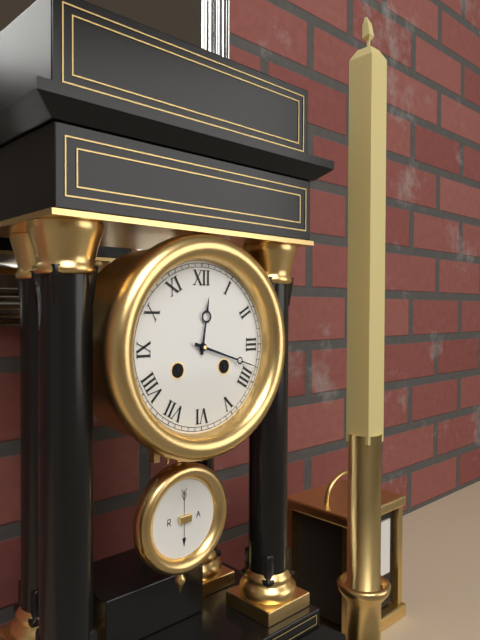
12:18
